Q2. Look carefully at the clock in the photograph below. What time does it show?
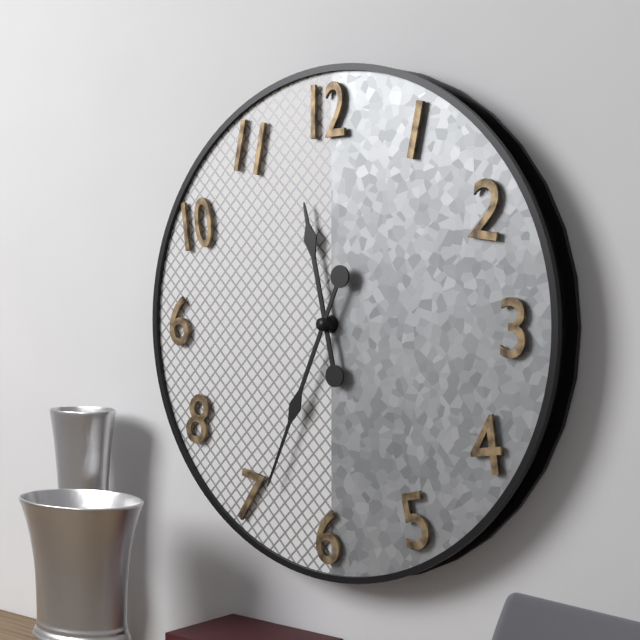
11:34
